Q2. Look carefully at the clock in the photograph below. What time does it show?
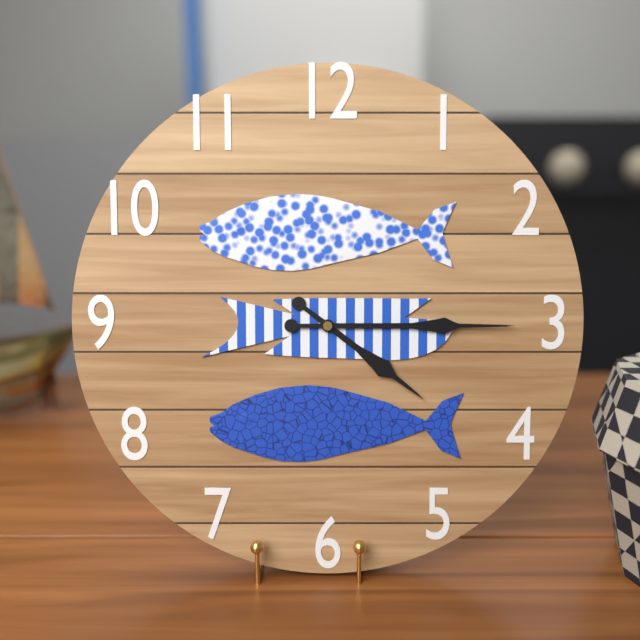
4:15
